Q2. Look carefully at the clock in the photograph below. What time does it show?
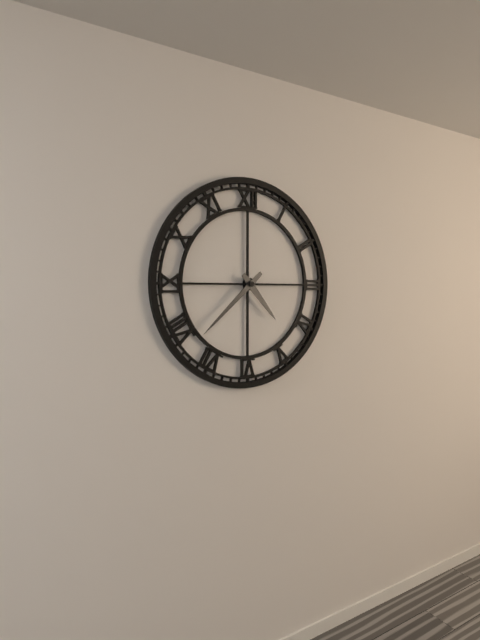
4:38
